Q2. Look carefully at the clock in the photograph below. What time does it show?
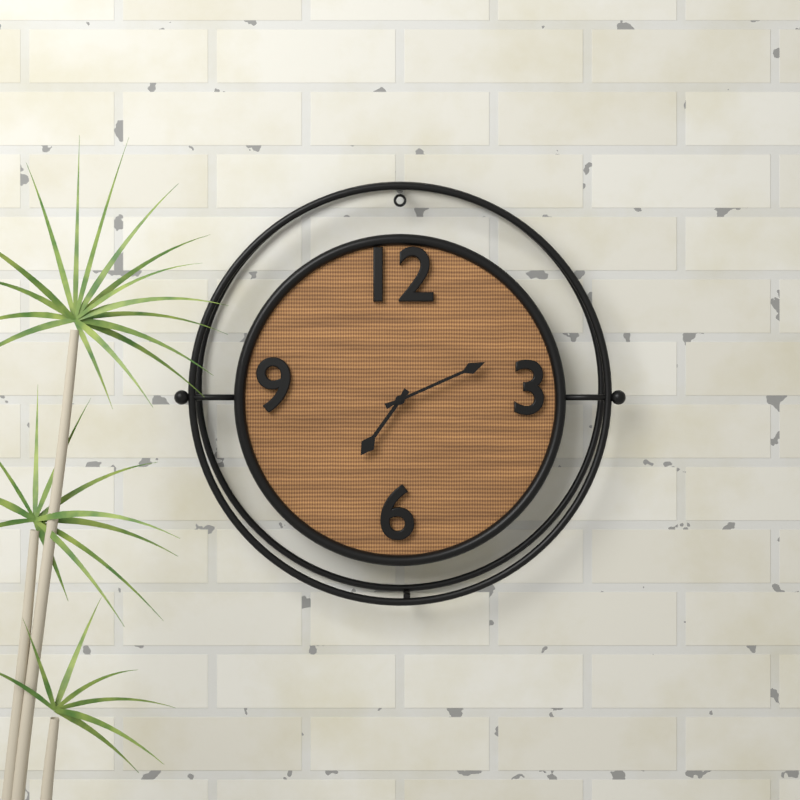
7:11
